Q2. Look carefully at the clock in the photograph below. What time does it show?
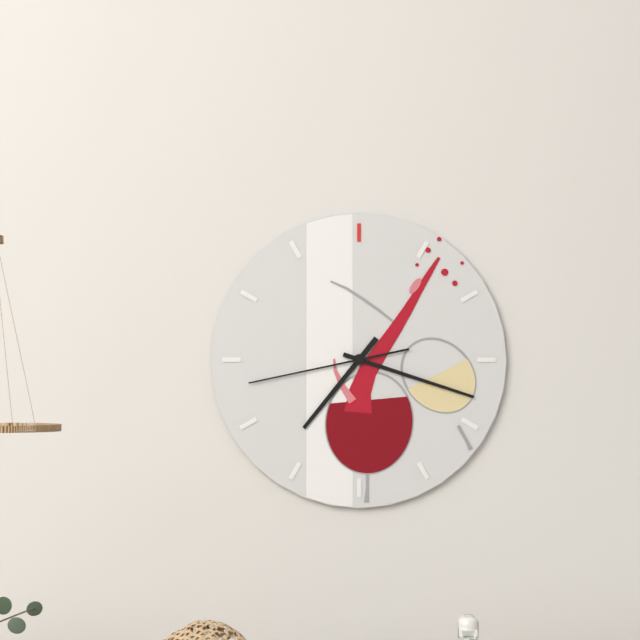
7:18:43
